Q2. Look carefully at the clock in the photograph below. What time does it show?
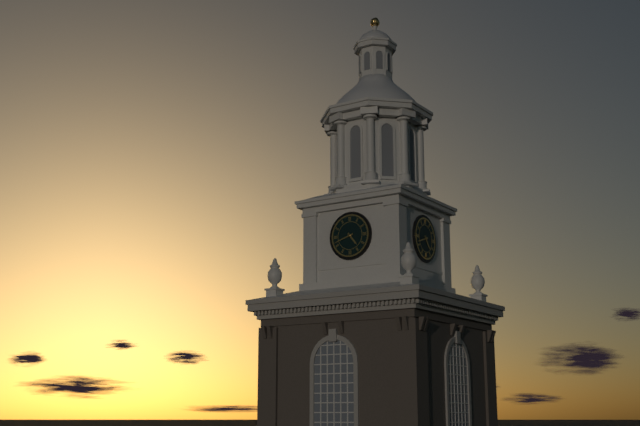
4:42
